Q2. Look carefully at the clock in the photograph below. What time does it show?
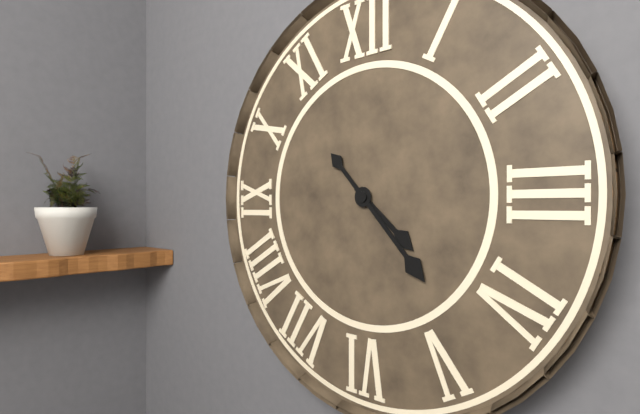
4:23
